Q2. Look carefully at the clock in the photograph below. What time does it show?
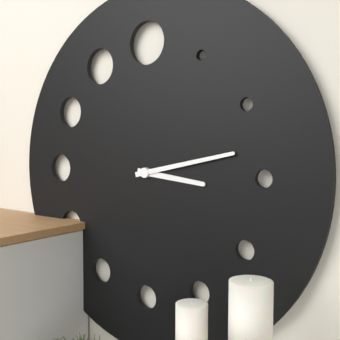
3:13
